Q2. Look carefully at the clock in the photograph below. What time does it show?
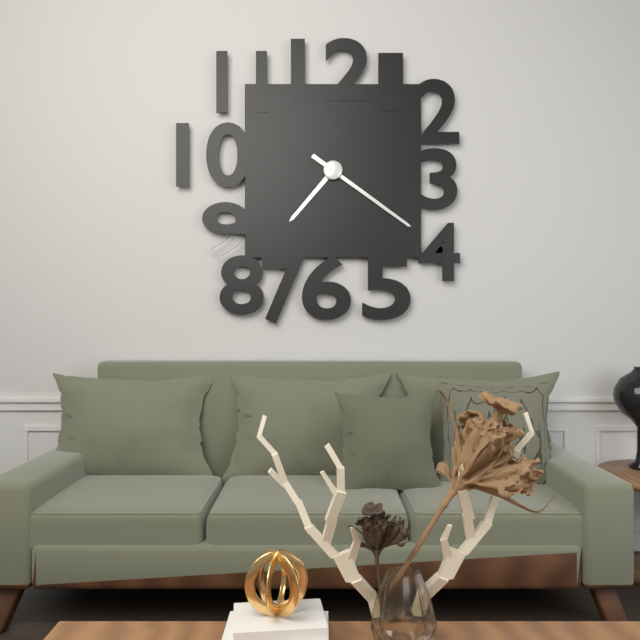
7:21
